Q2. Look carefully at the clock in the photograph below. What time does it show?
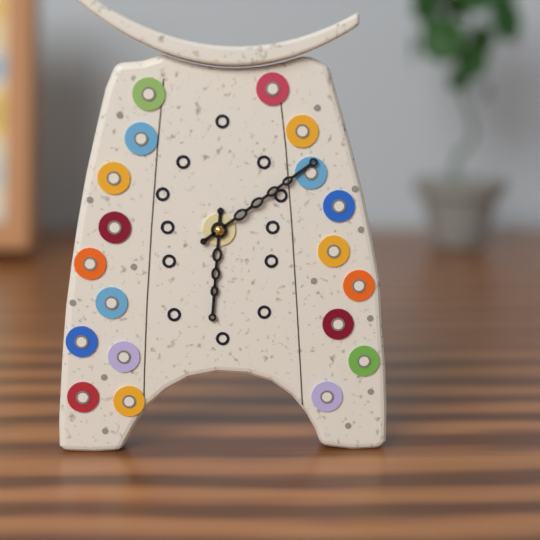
6:09
